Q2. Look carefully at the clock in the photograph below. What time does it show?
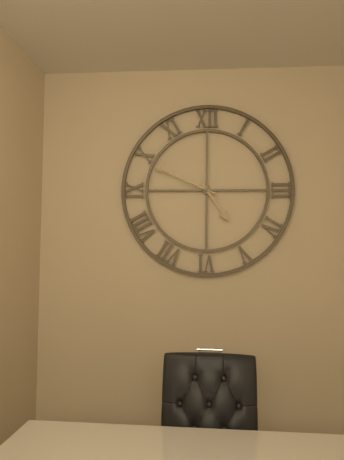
4:49
